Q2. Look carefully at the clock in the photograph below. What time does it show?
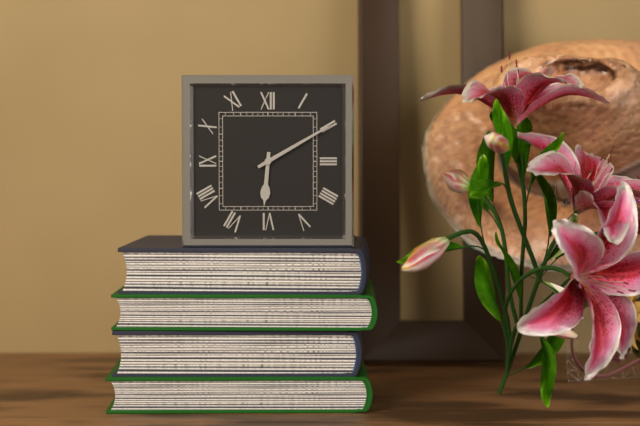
6:10
